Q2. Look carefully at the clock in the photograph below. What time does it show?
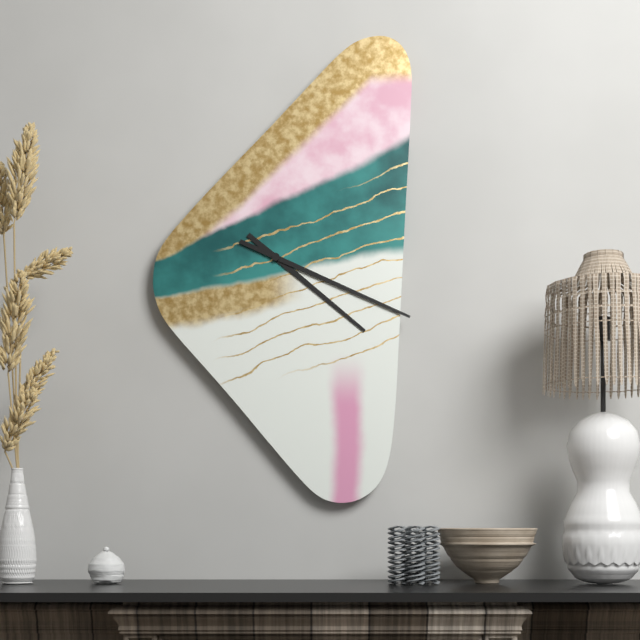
4:19
